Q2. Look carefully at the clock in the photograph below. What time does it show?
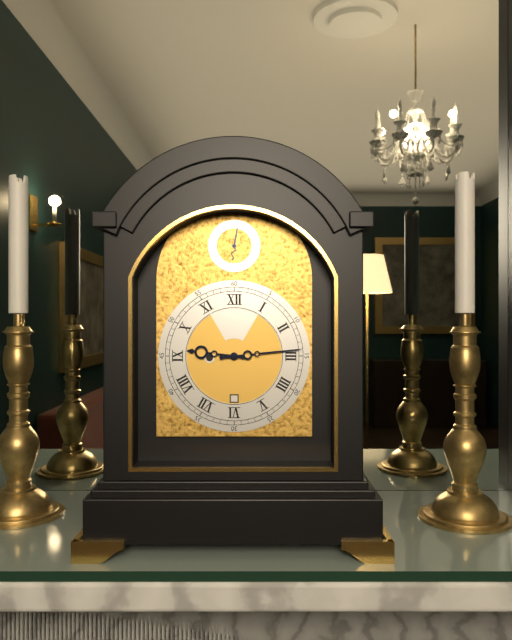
9:14
